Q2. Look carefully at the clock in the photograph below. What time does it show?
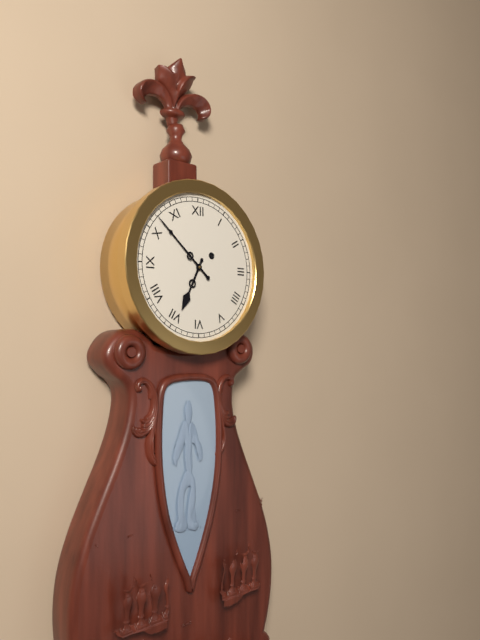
6:52
